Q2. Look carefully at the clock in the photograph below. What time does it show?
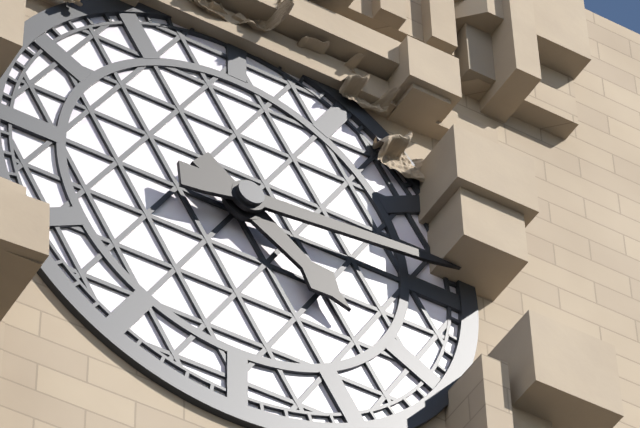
4:14
